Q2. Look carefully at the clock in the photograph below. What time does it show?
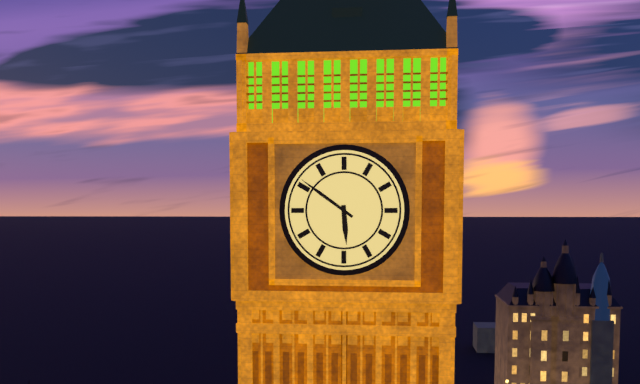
5:51
